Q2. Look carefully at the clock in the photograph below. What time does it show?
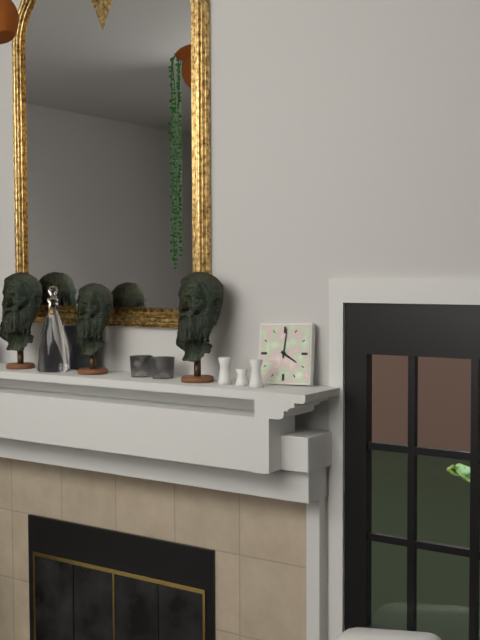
4:01
